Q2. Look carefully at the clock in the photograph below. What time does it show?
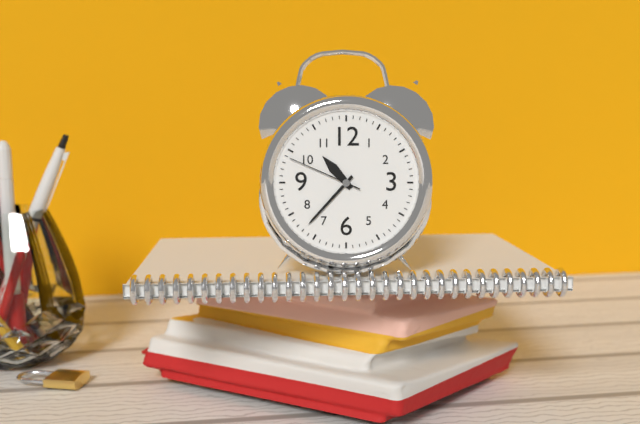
10:37:49
